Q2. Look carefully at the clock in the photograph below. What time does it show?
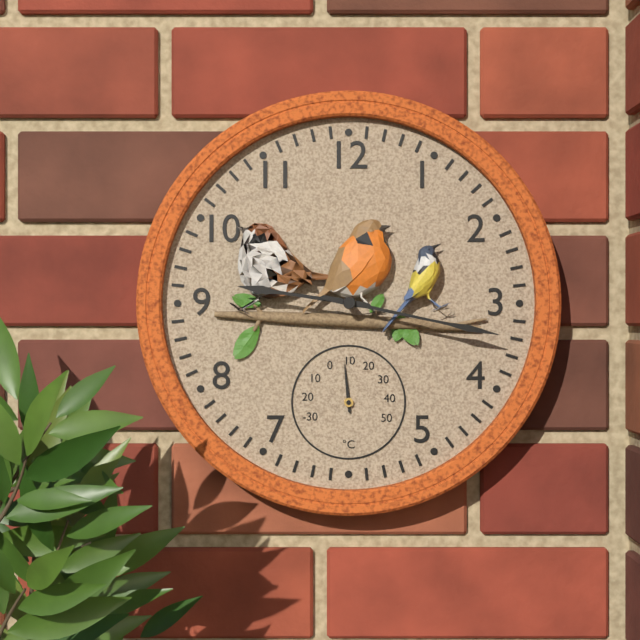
9:17
